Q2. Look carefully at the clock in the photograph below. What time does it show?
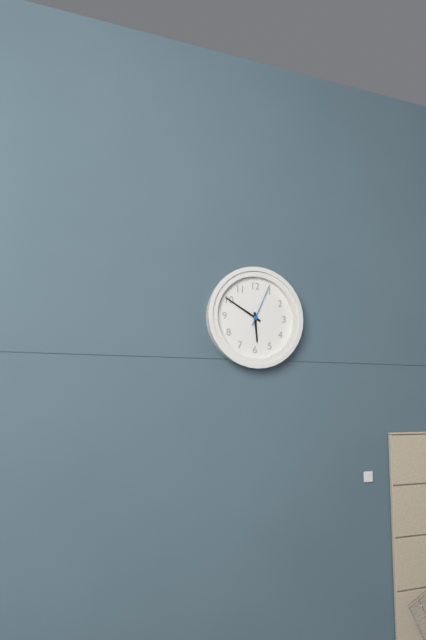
5:50
